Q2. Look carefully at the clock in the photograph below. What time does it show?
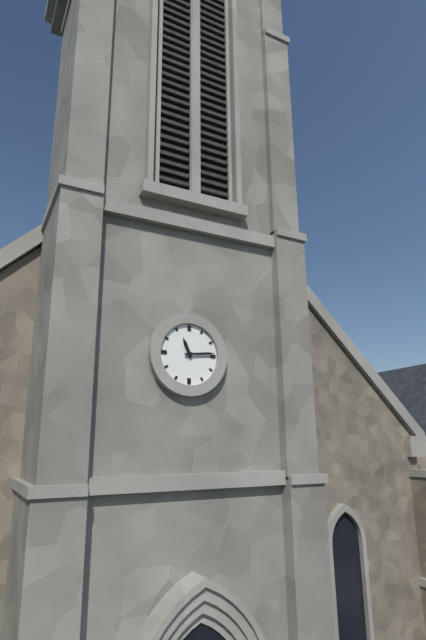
11:14
